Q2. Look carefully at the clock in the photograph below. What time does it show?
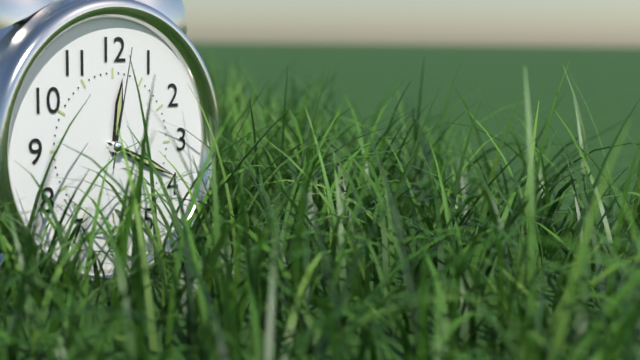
12:19:02
